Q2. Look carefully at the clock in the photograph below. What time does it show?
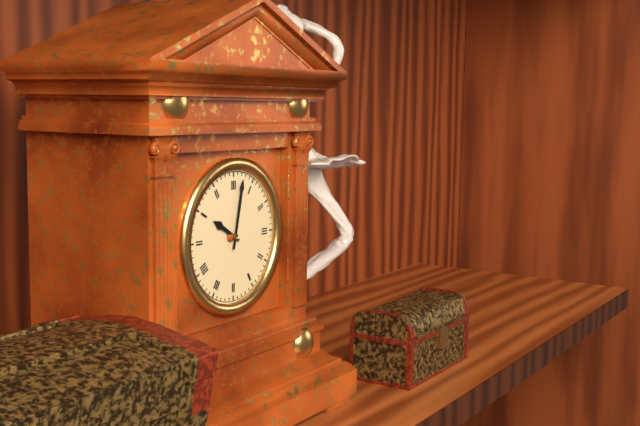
10:02
